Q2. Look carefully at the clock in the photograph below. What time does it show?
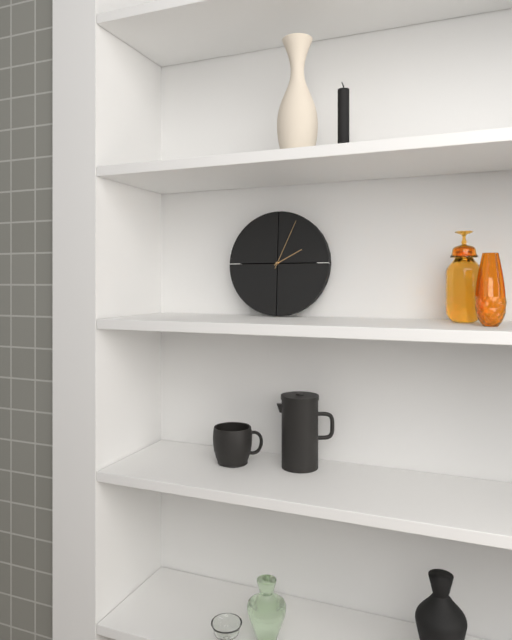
2:04
